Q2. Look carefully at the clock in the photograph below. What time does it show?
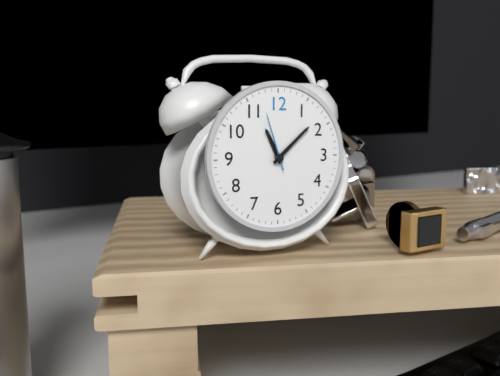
11:08:57
